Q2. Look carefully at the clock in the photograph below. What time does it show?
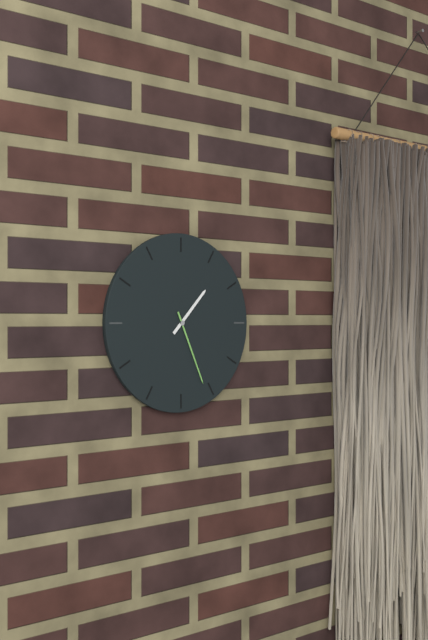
1:26
